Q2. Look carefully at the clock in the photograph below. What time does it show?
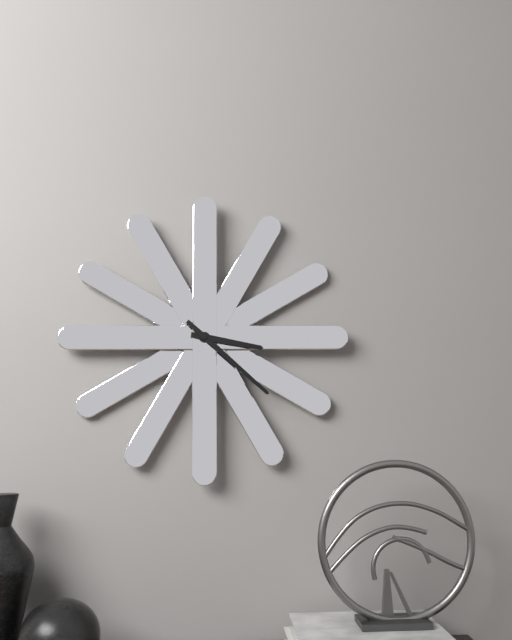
3:22
